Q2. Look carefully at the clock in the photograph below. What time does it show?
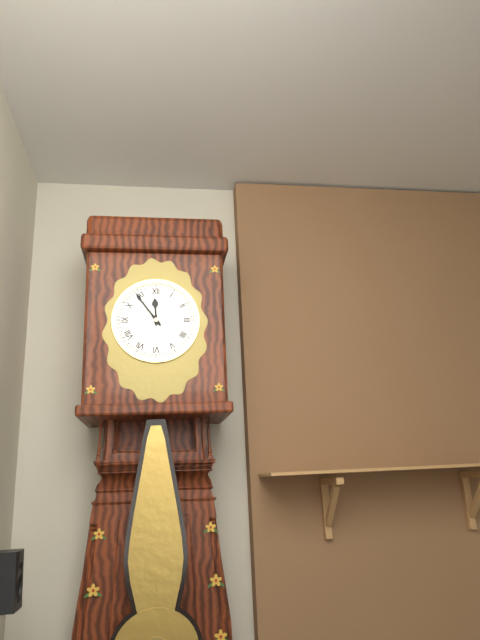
11:54
